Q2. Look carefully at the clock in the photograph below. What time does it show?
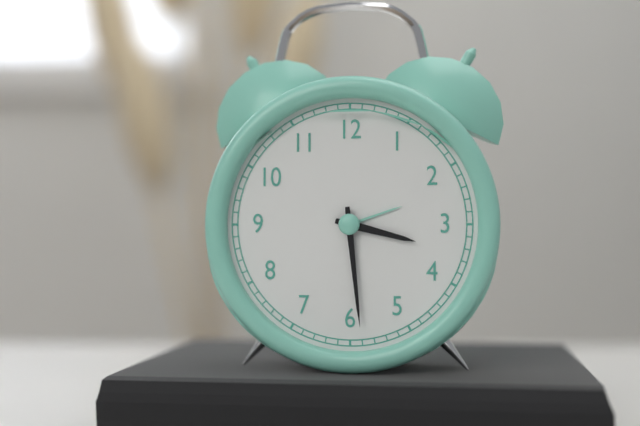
3:29
